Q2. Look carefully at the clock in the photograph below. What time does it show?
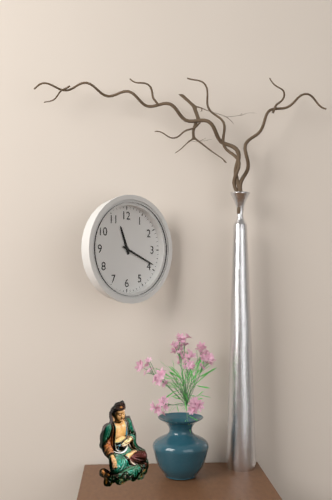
11:19
